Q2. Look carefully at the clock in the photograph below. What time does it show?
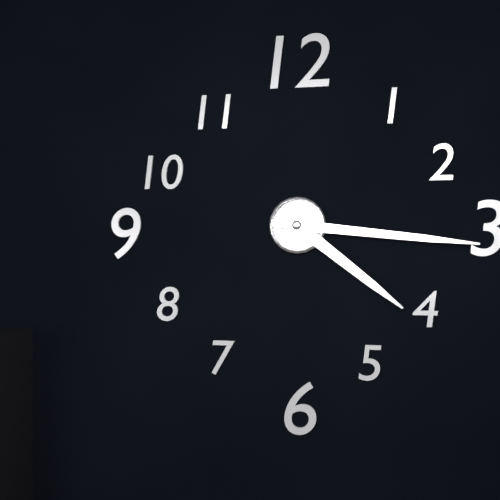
4:16
